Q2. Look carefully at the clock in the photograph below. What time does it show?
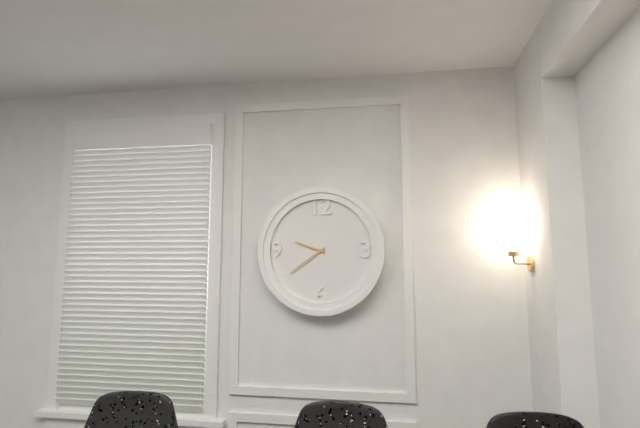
9:39
